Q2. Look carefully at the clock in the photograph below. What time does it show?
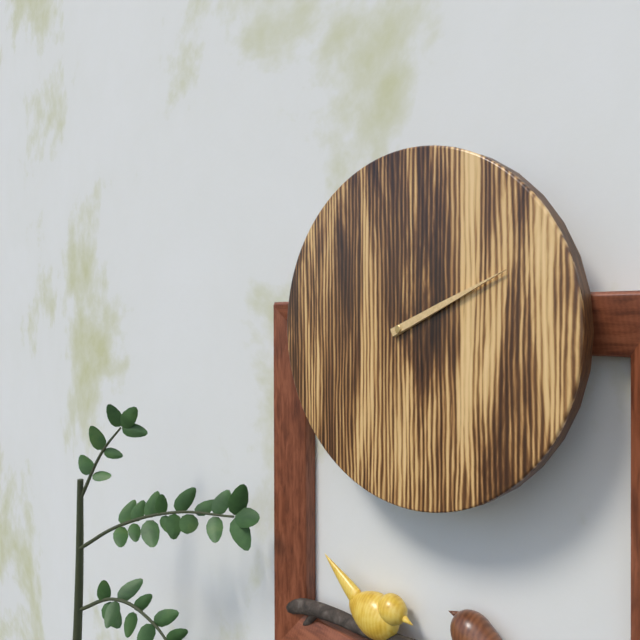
2:11
